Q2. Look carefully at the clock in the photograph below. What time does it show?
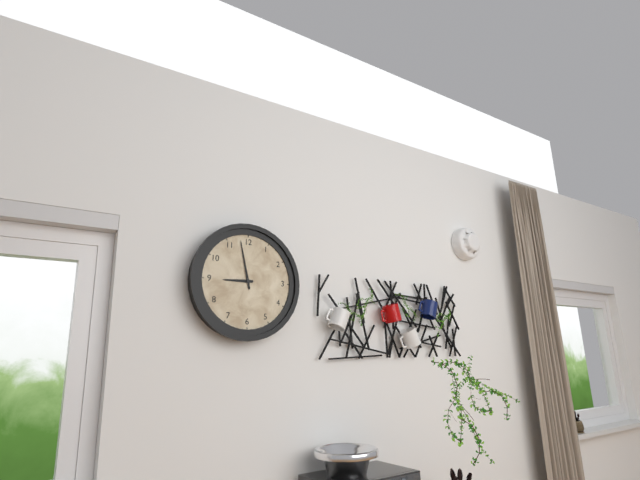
8:58
